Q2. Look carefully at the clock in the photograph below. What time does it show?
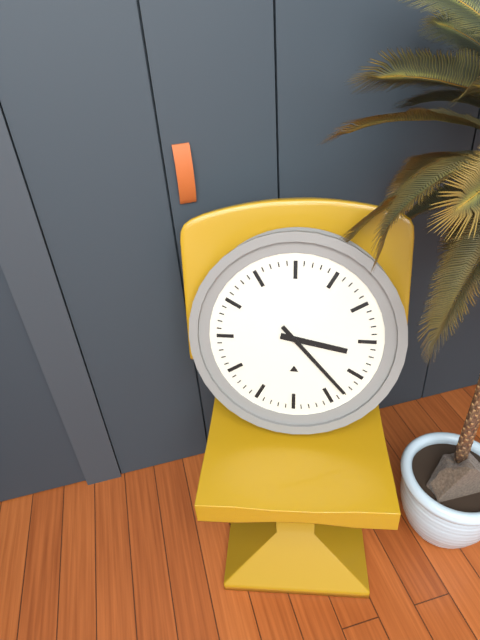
3:23
